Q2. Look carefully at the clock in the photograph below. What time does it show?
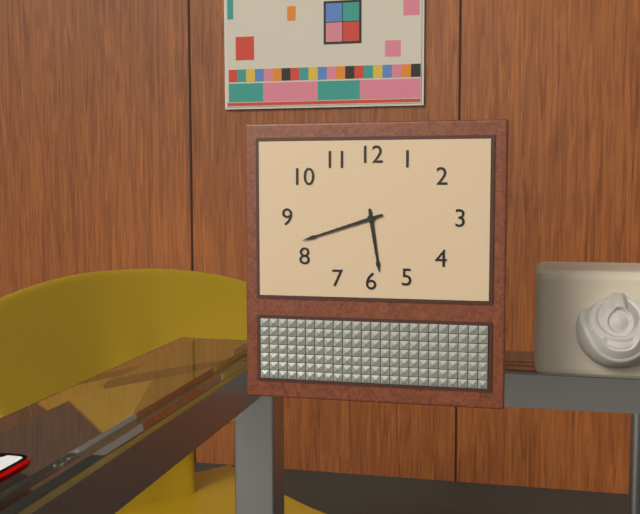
5:42
